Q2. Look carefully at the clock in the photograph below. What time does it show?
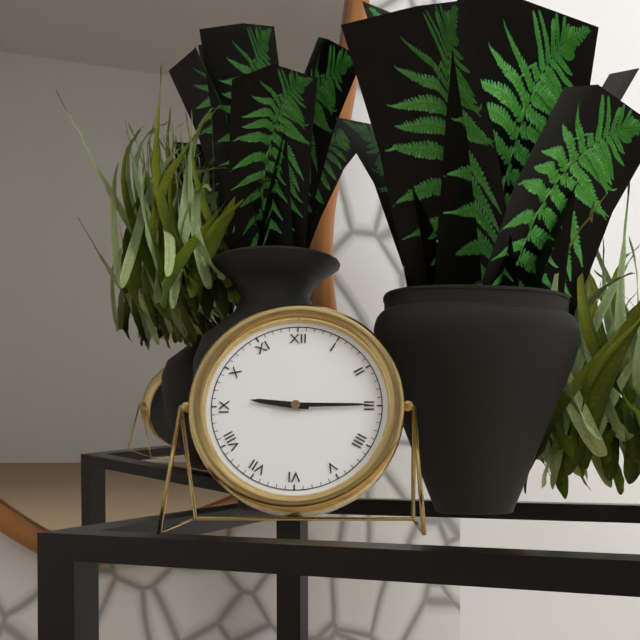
9:15
